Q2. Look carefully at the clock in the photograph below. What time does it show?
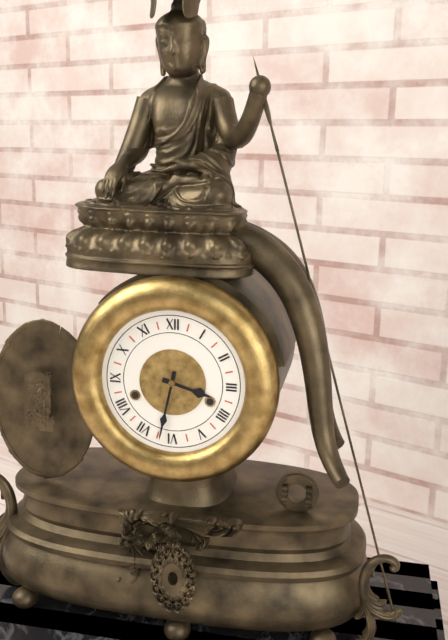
3:32
